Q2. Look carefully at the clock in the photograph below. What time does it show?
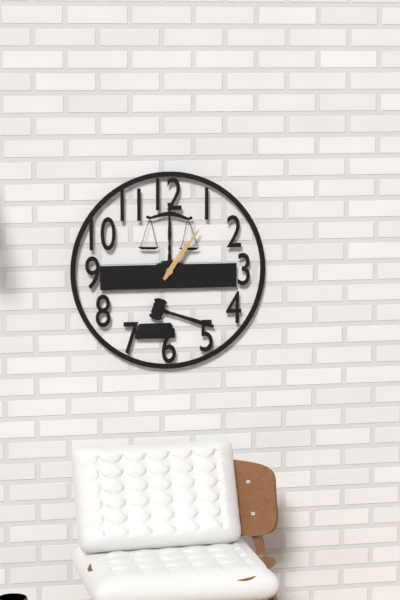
1:06
